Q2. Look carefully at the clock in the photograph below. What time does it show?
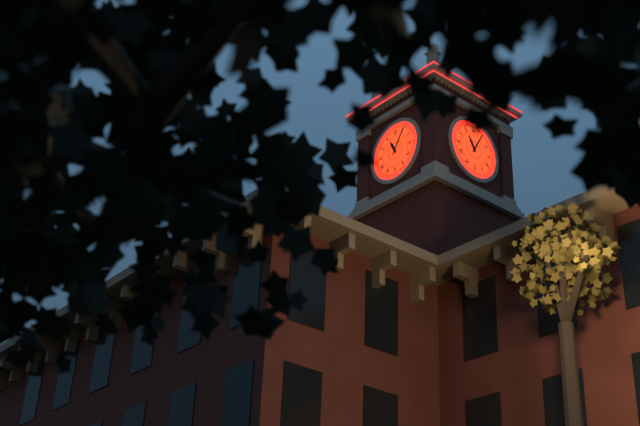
11:05
